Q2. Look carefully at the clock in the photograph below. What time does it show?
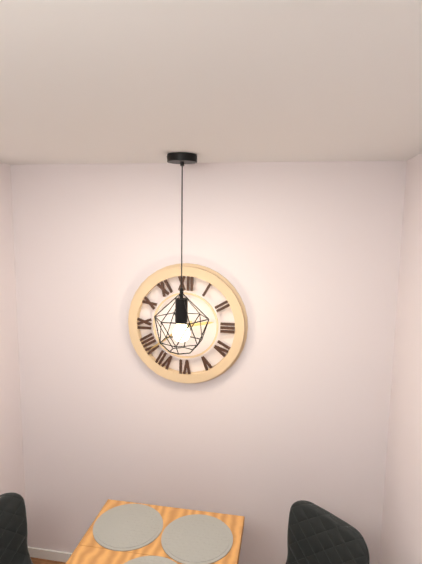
2:39
